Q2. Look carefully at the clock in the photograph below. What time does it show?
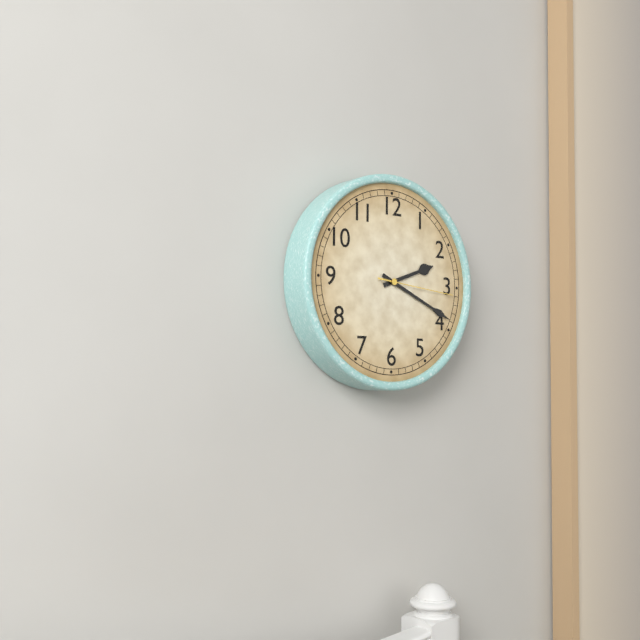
2:19:16
